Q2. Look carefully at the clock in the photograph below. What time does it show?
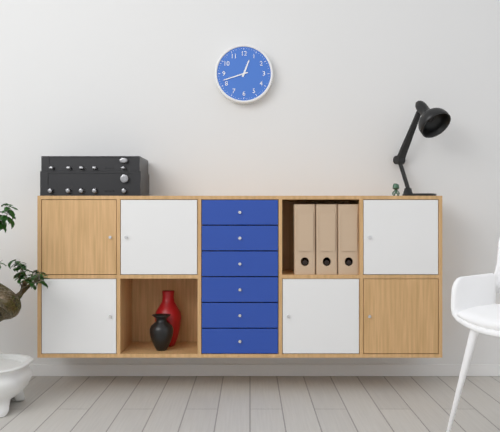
12:42
